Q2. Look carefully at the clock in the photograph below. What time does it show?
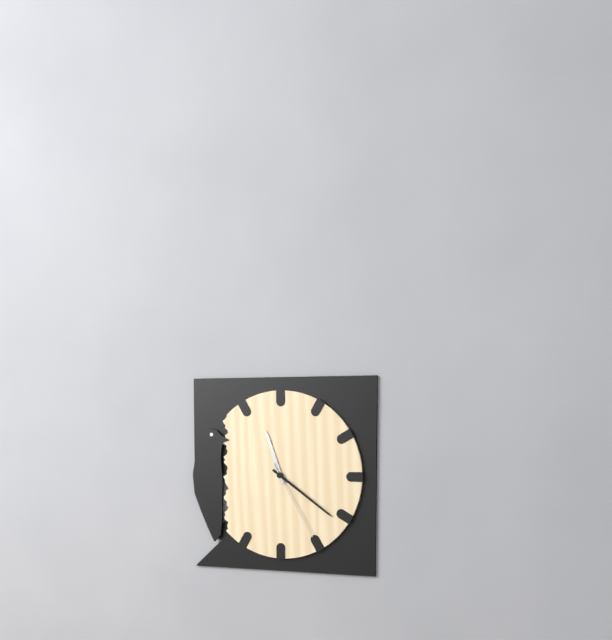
11:21:25
